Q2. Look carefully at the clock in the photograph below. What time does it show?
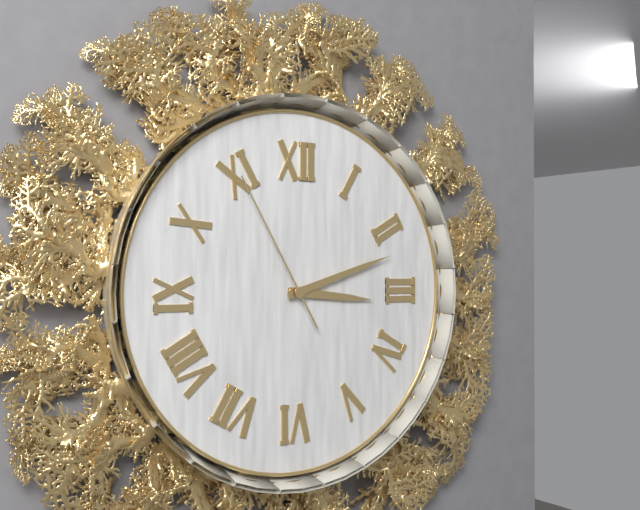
3:12:55
